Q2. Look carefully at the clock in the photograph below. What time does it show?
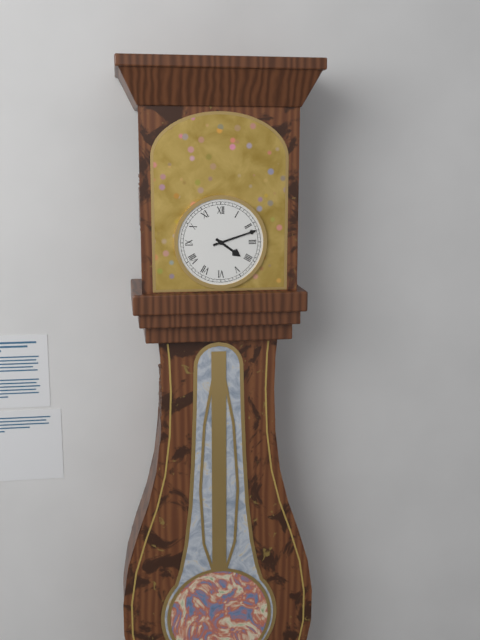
4:12
